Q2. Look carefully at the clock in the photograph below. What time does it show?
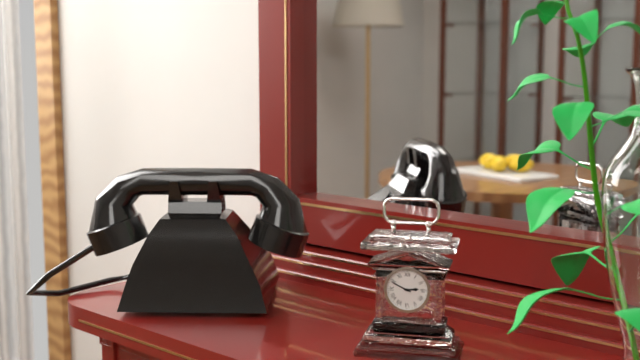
2:49
